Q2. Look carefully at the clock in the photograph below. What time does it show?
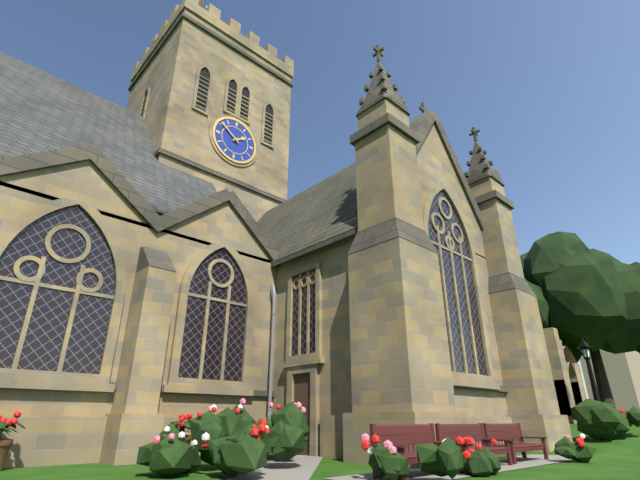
1:51
